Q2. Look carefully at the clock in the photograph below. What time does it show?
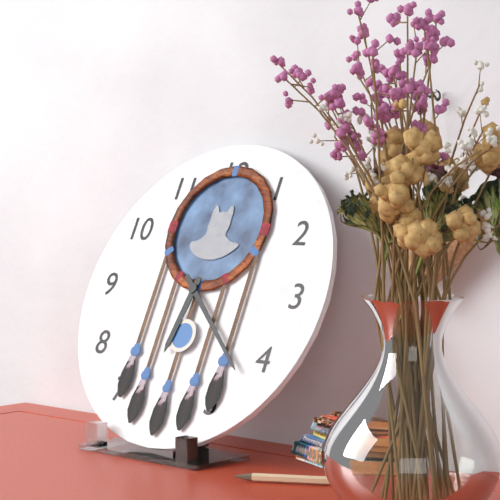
6:22
